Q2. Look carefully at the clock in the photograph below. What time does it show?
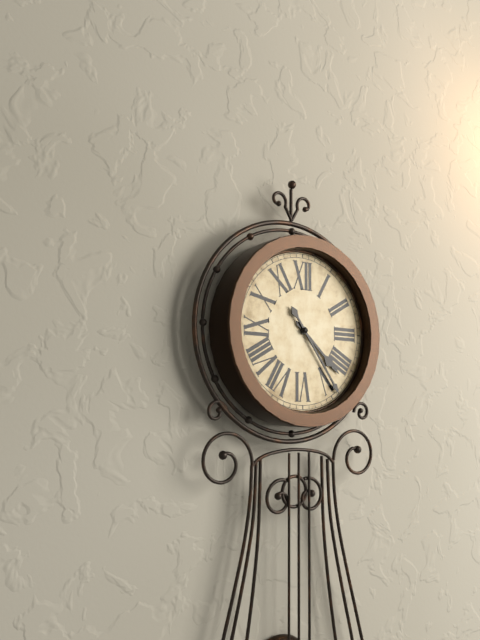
4:24
